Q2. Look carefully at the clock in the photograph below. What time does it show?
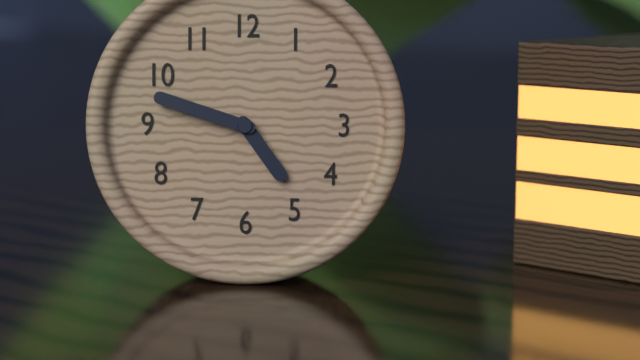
4:48
